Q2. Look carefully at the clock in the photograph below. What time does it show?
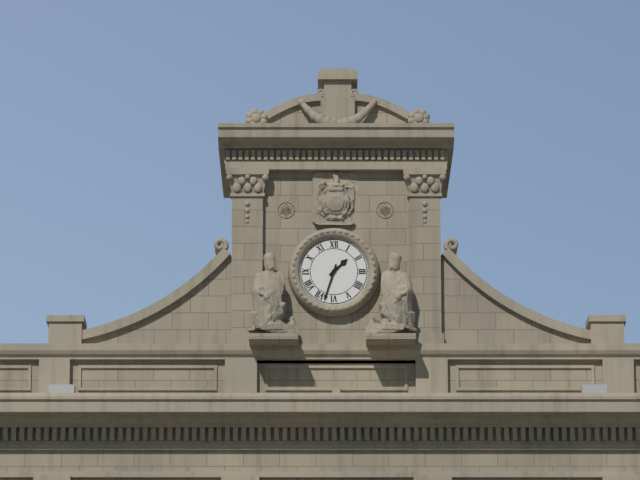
1:33
